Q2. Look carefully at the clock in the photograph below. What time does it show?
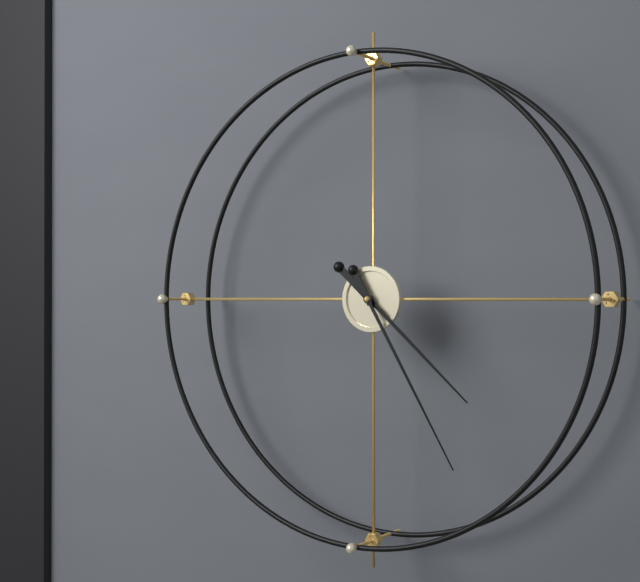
4:25
